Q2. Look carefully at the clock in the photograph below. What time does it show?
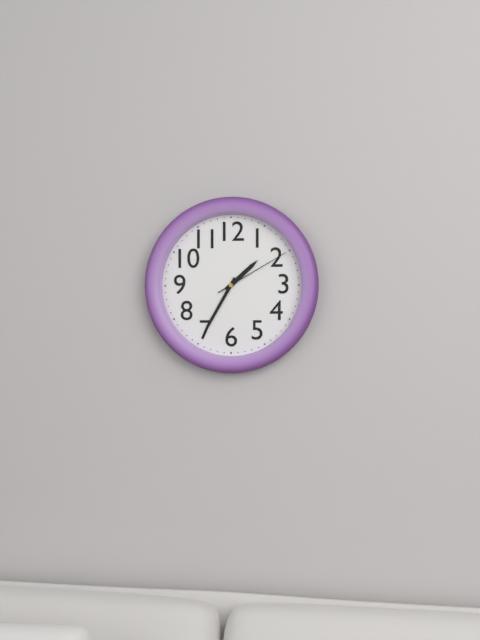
1:35:10
